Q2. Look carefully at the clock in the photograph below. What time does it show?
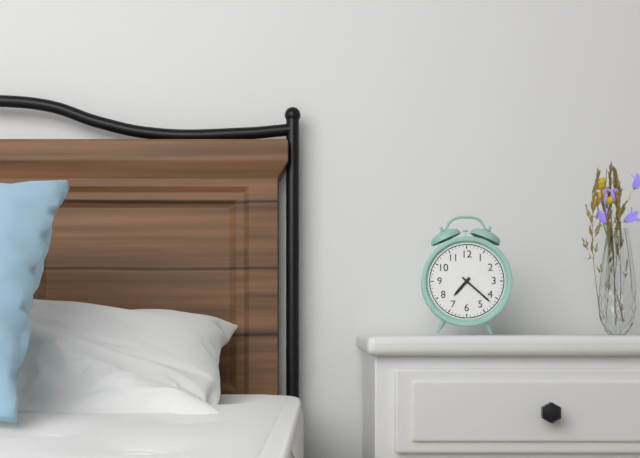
7:22
